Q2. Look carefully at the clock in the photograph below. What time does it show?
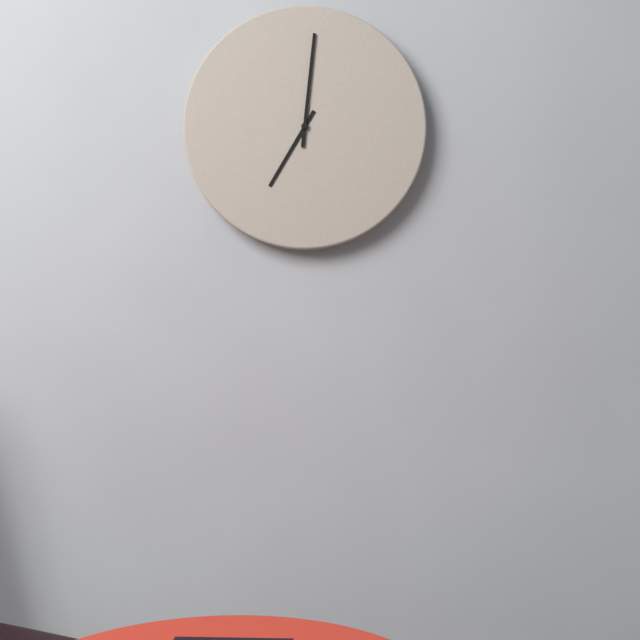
7:01
